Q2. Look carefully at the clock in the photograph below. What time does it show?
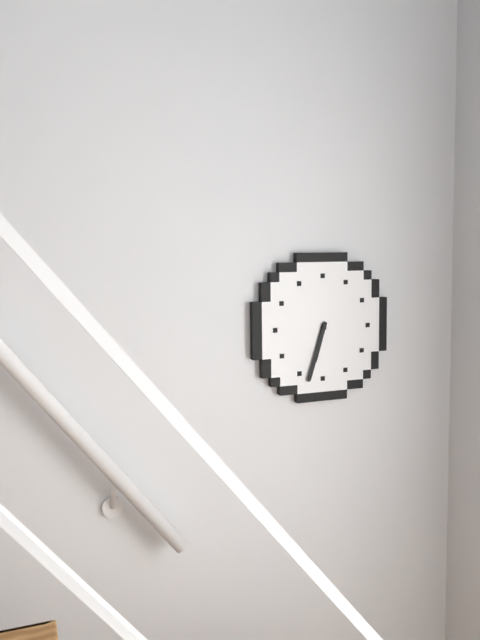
6:33
